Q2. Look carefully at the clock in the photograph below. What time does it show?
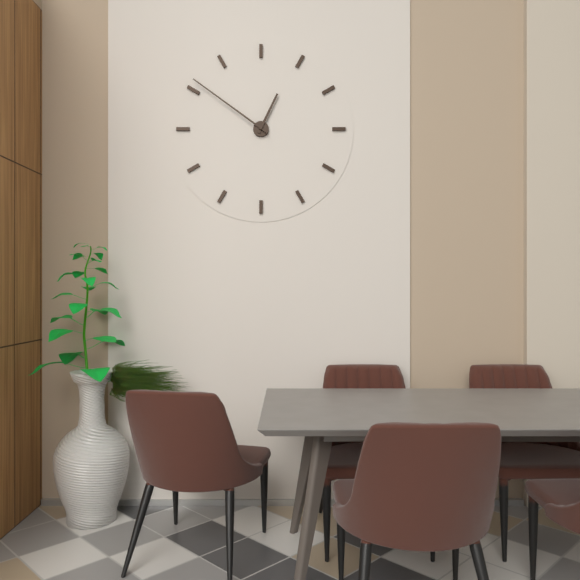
12:51
